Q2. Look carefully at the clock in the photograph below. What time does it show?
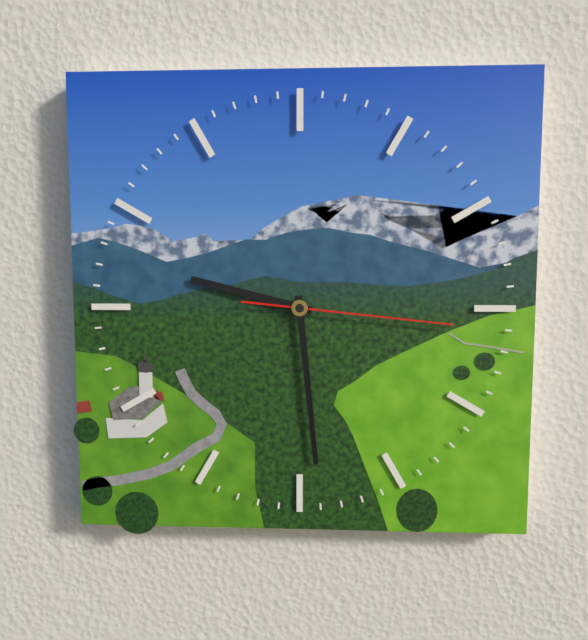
9:29:16
